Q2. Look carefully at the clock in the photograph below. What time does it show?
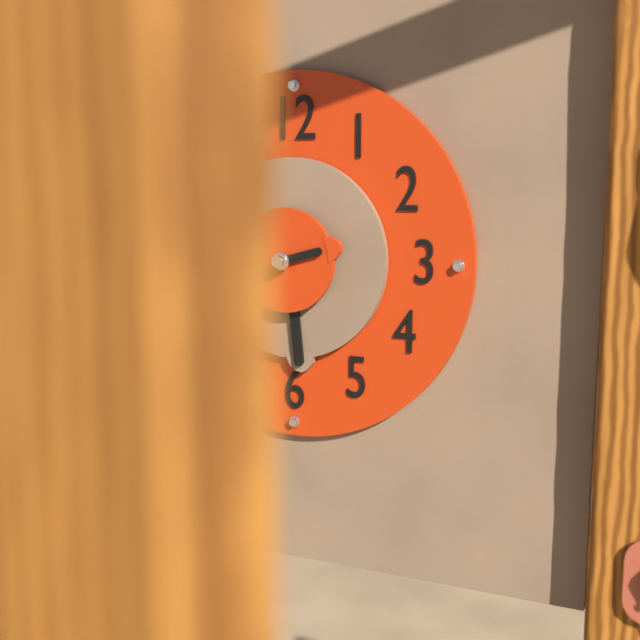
2:29
